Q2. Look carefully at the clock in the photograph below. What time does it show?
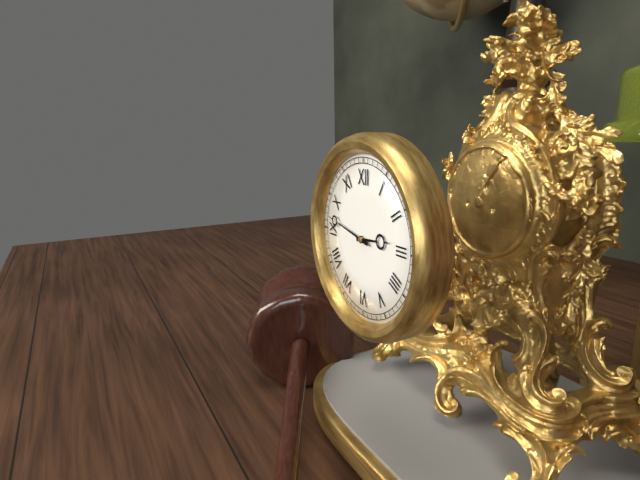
2:47
